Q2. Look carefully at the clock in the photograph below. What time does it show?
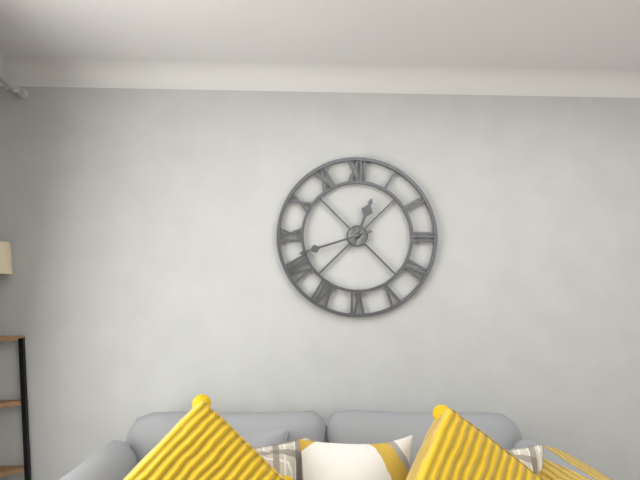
12:42
